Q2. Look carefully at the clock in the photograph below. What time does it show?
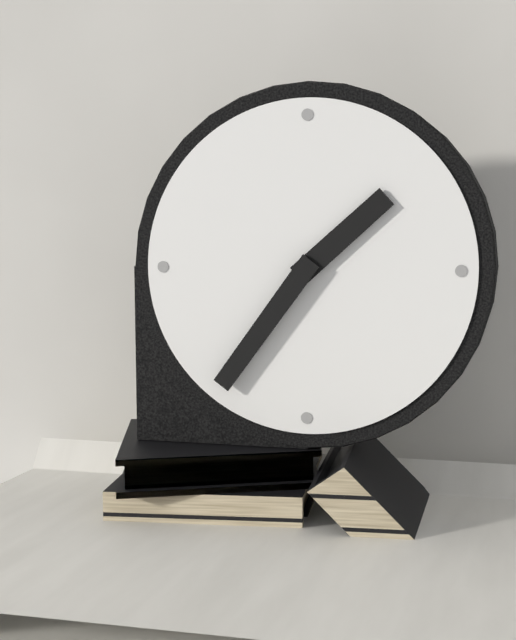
1:36
